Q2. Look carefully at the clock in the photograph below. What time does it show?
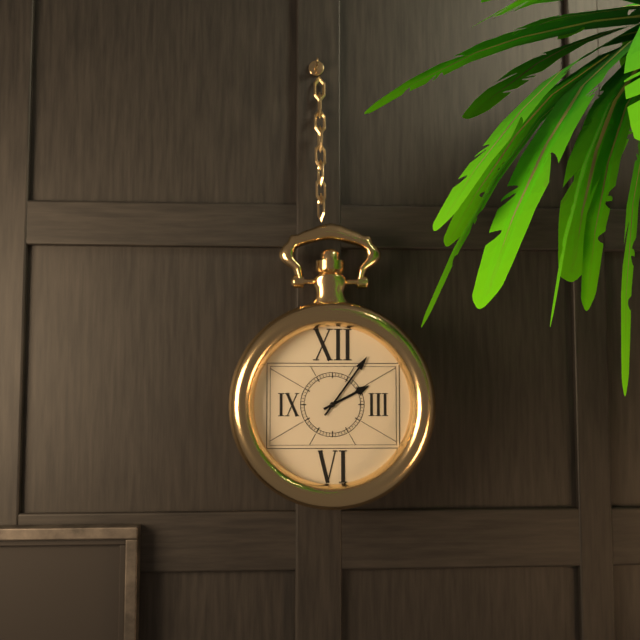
2:06
